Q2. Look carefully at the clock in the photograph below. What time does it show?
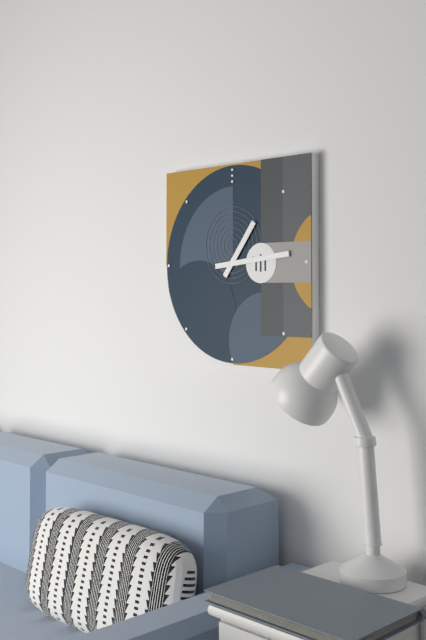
1:14
